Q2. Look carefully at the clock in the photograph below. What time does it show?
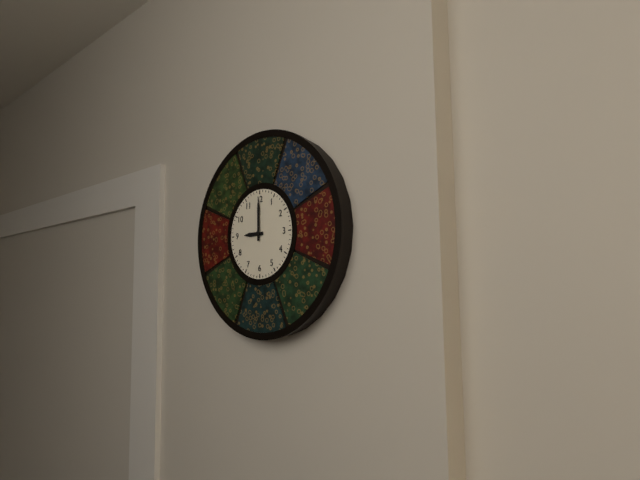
9:00
